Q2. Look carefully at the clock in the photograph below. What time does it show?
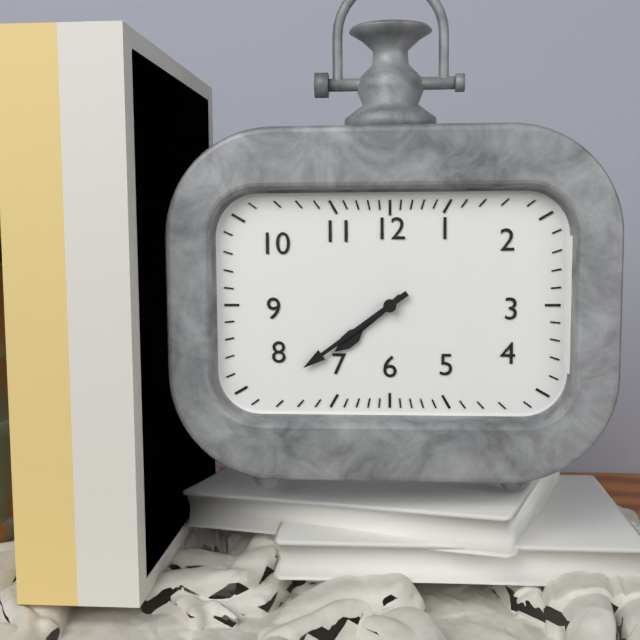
7:39
